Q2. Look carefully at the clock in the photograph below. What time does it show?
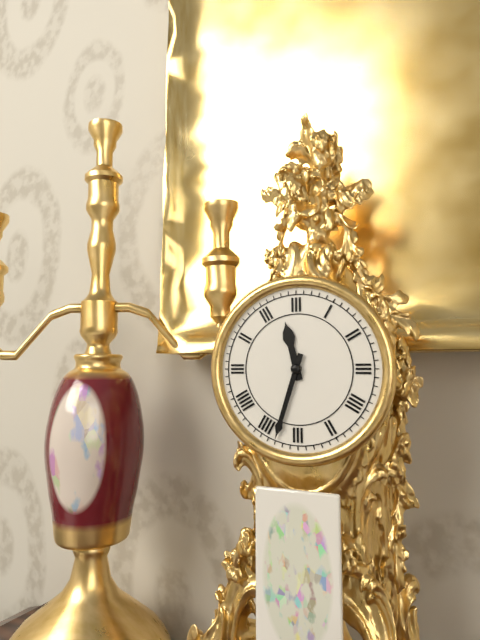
11:33
